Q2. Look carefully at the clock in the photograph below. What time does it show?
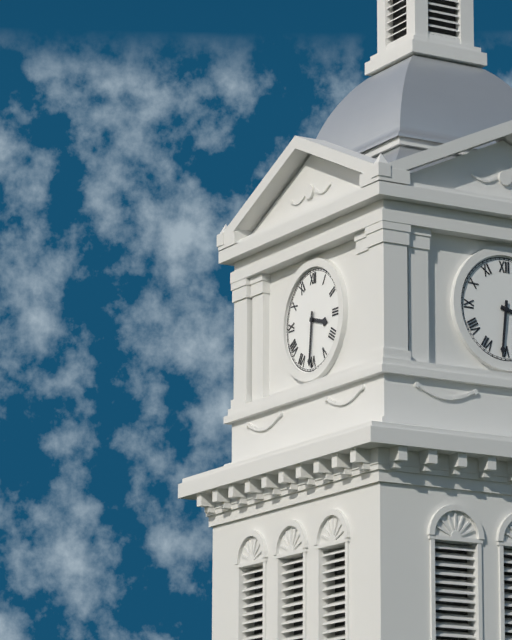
3:31
